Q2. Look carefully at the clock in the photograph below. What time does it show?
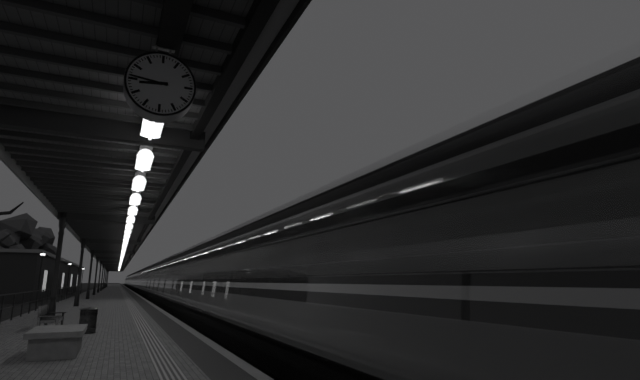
8:46
